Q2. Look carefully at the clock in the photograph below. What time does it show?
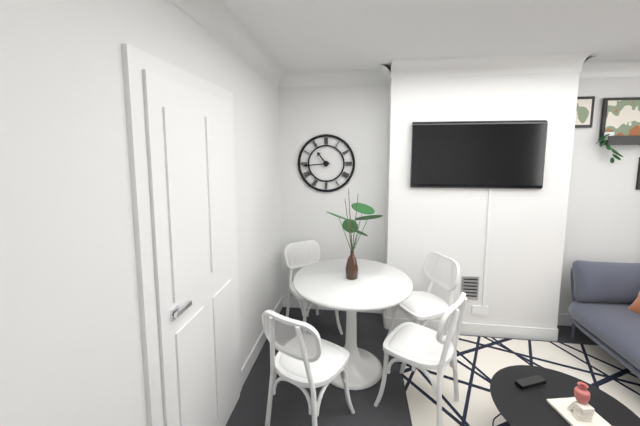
10:44
